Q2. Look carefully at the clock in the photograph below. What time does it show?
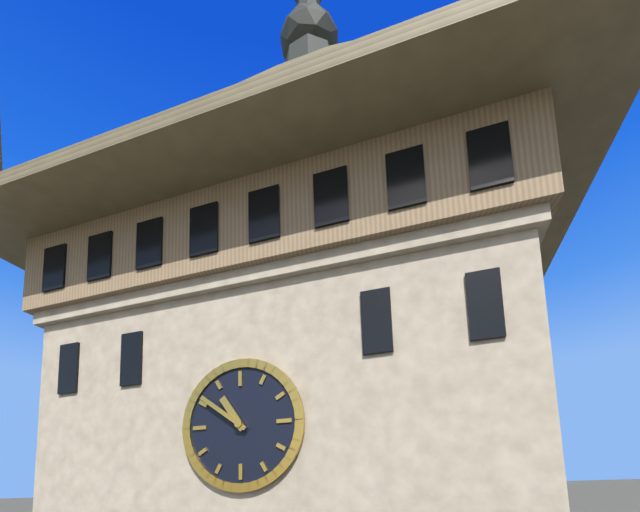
10:51
